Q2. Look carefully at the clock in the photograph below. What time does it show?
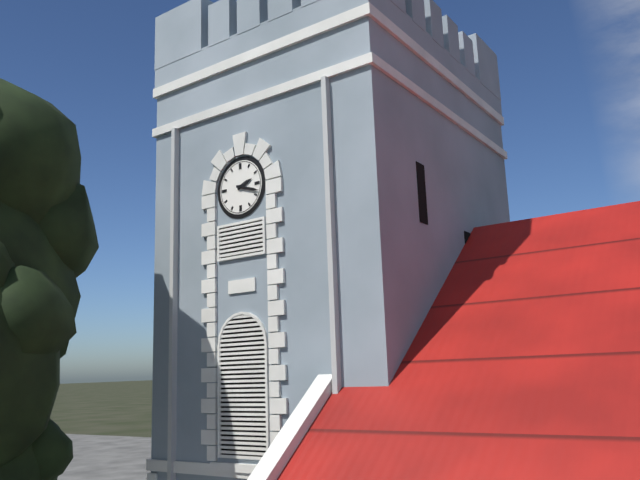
2:18
